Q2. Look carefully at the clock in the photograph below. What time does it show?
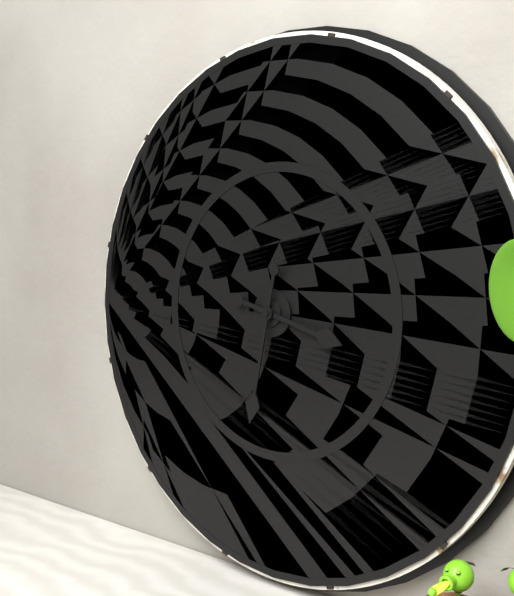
3:32
